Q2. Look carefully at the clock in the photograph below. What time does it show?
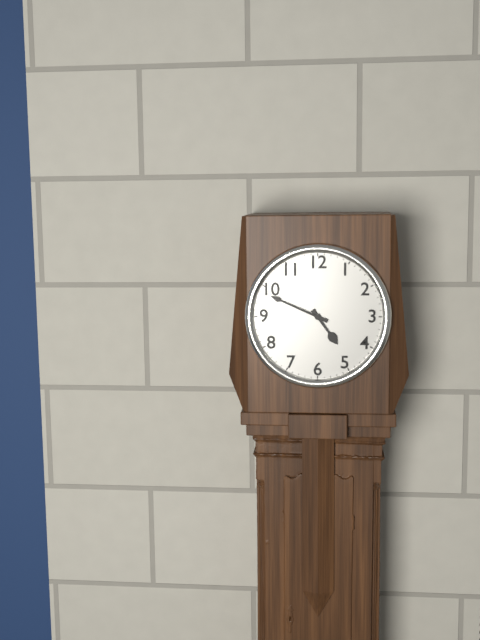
4:49
